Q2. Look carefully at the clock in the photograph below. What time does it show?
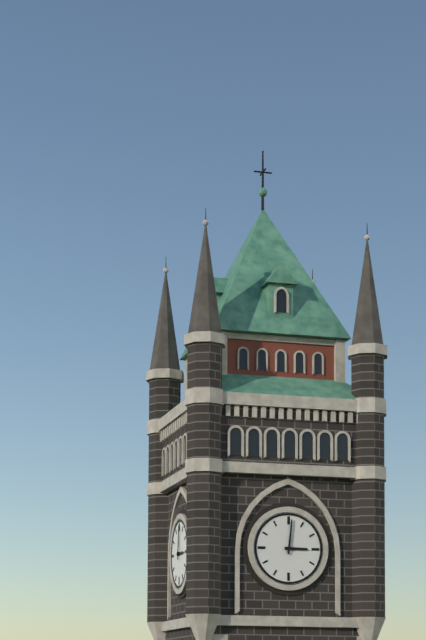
3:01
